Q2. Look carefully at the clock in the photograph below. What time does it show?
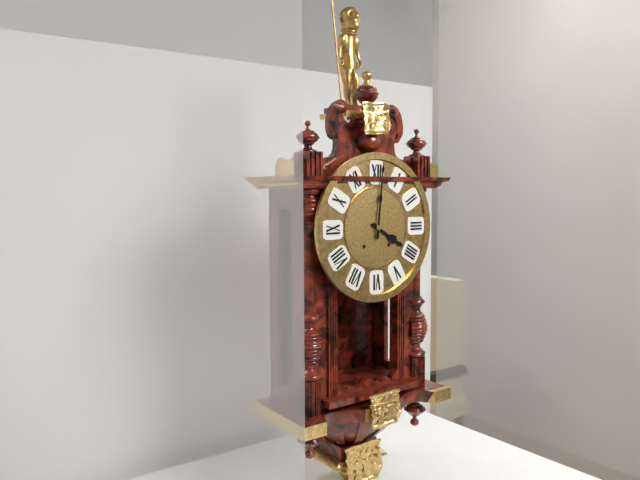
4:01
